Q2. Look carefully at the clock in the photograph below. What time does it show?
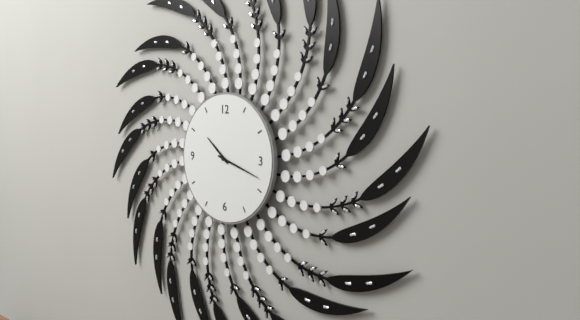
10:18
